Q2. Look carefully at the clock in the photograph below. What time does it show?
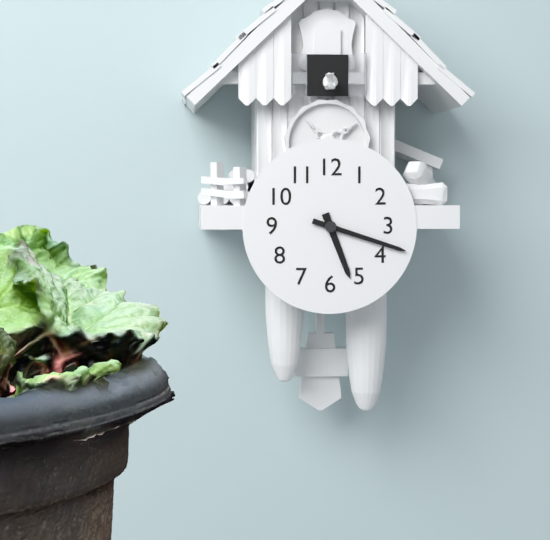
5:18
